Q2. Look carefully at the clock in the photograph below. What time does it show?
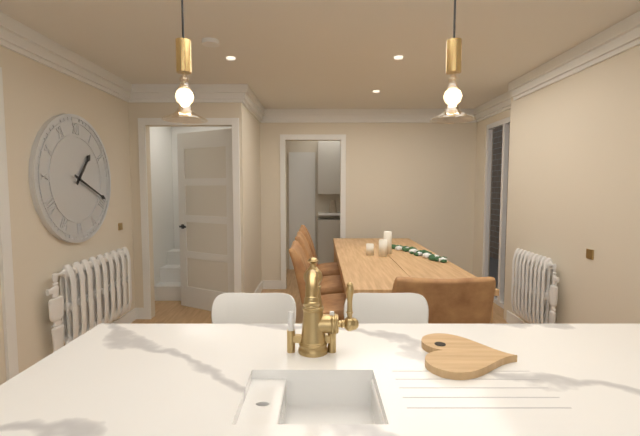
1:19
